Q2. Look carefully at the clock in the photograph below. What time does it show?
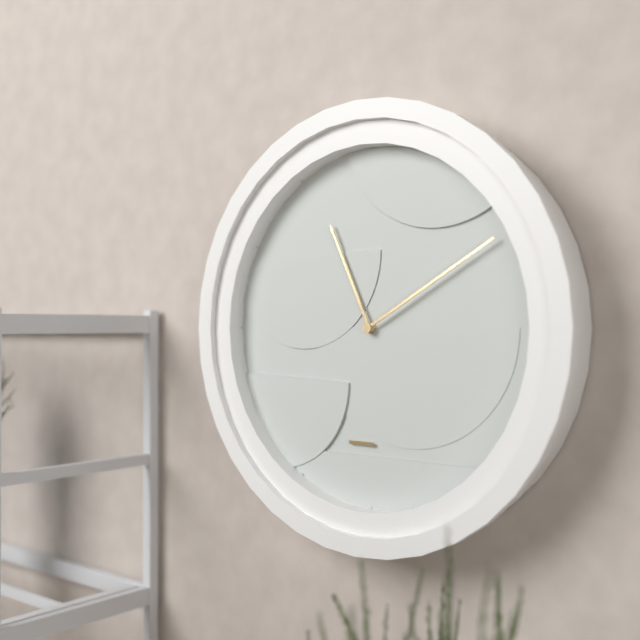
11:10
